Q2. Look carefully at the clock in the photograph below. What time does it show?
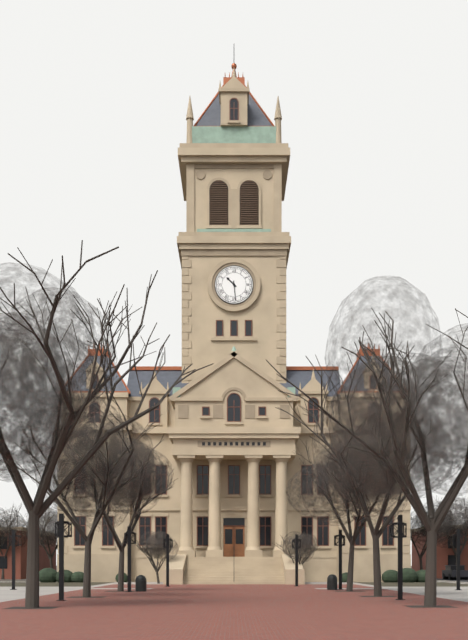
10:29
